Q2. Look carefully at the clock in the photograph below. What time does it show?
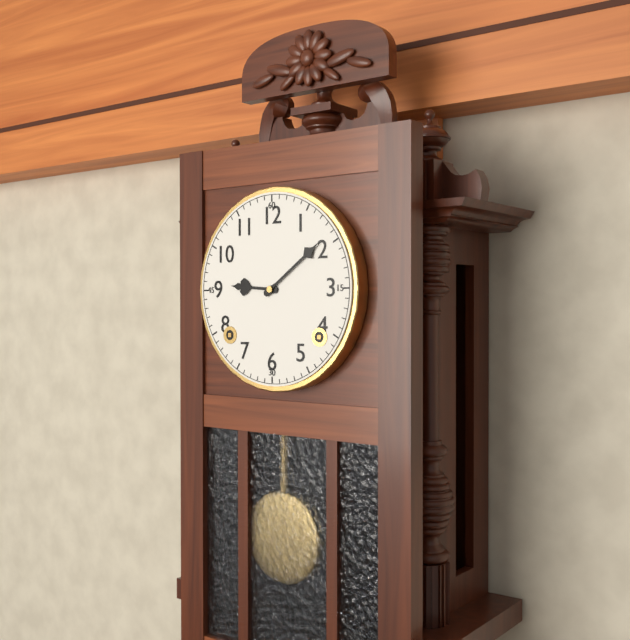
9:09
